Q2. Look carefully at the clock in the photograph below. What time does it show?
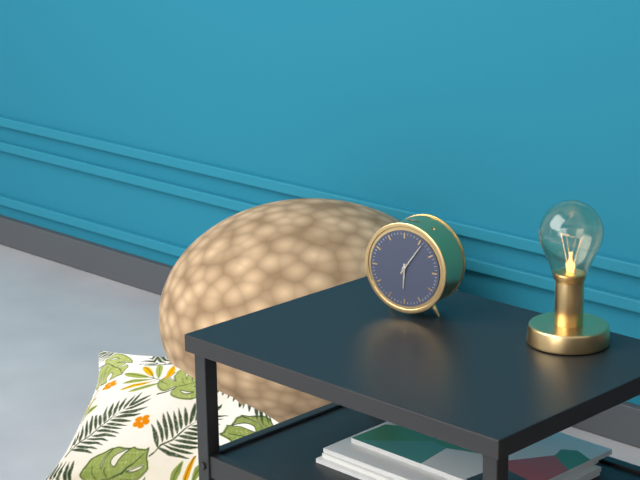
6:06
